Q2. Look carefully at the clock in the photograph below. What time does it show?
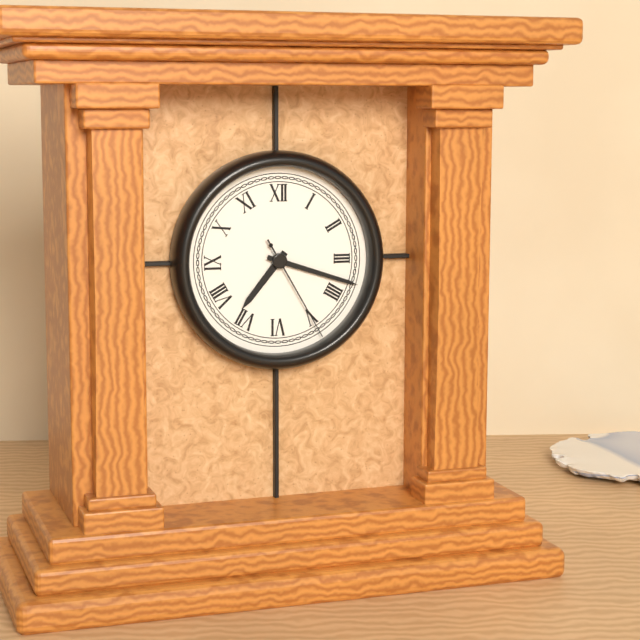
7:18:25
